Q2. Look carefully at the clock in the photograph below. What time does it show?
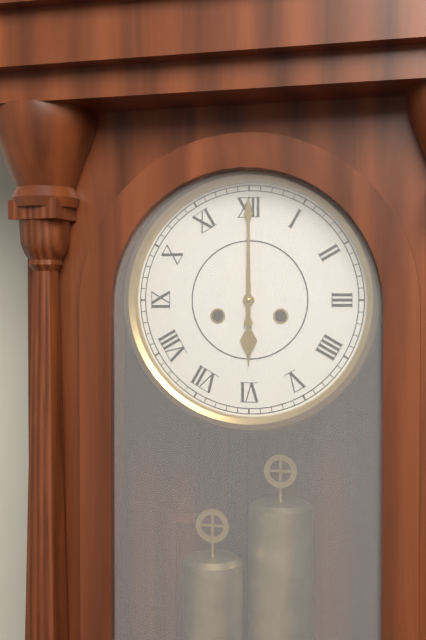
6:00
